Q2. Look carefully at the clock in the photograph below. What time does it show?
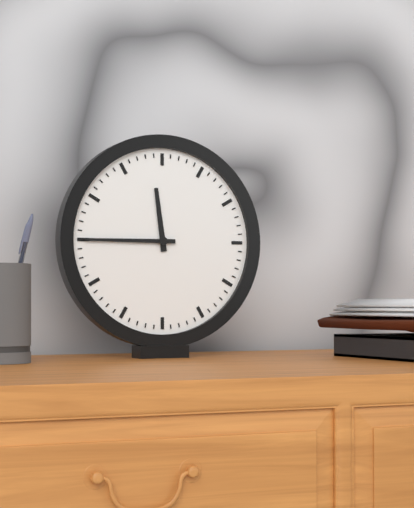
11:45
